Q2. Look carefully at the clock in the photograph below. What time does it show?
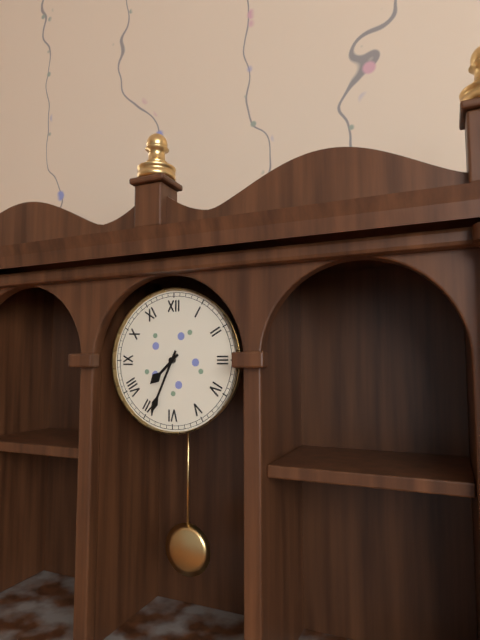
7:34
